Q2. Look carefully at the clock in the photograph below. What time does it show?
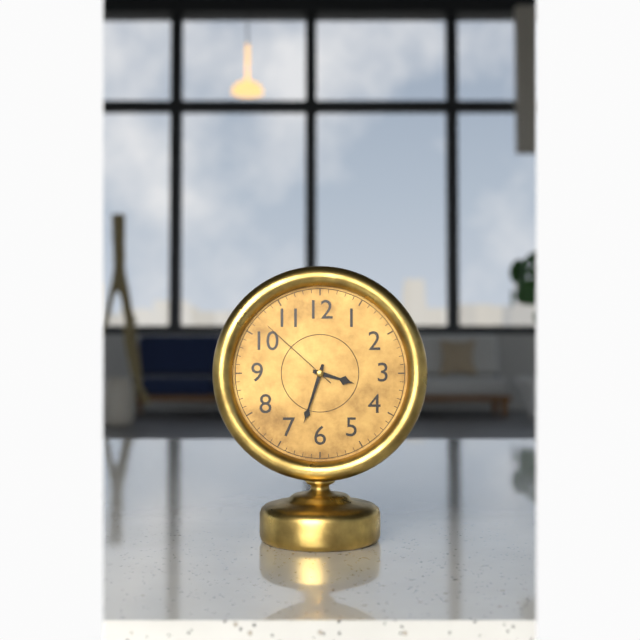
3:33:52
